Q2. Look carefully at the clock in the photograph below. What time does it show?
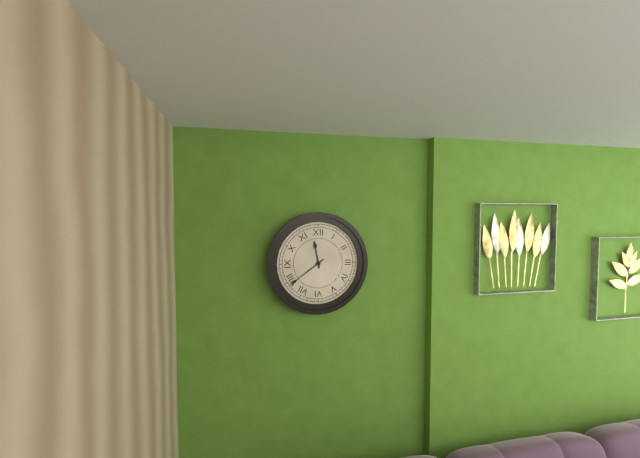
11:39
